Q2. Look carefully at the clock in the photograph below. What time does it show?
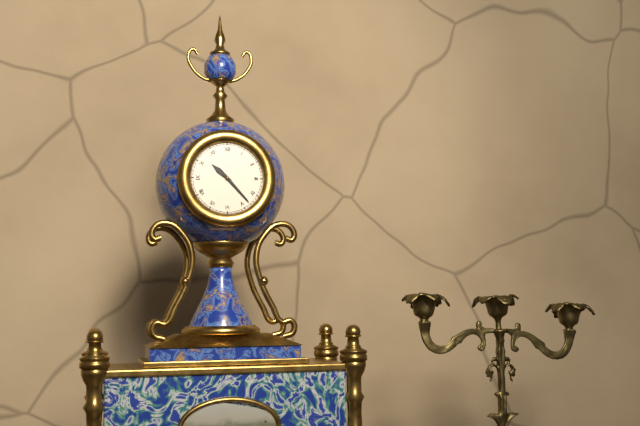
10:23
